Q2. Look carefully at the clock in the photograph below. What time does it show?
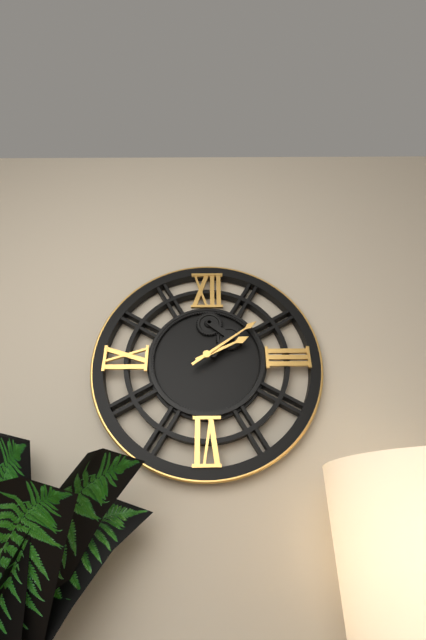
2:09
